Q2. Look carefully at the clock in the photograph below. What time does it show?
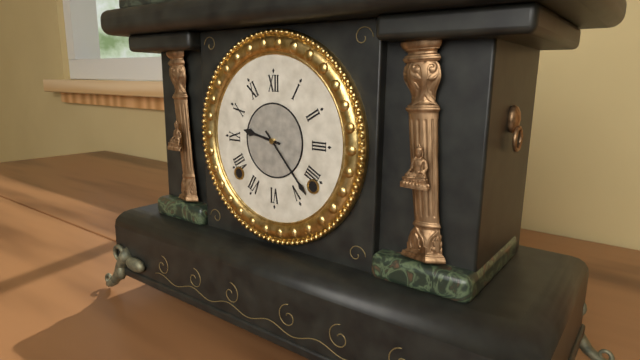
9:23
